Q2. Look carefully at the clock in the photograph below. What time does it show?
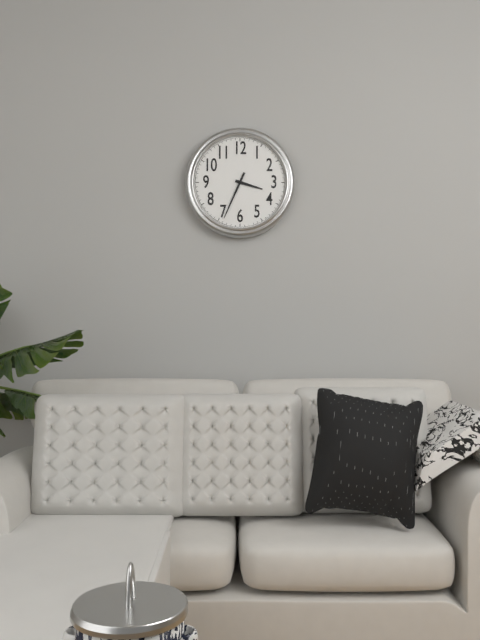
3:34
